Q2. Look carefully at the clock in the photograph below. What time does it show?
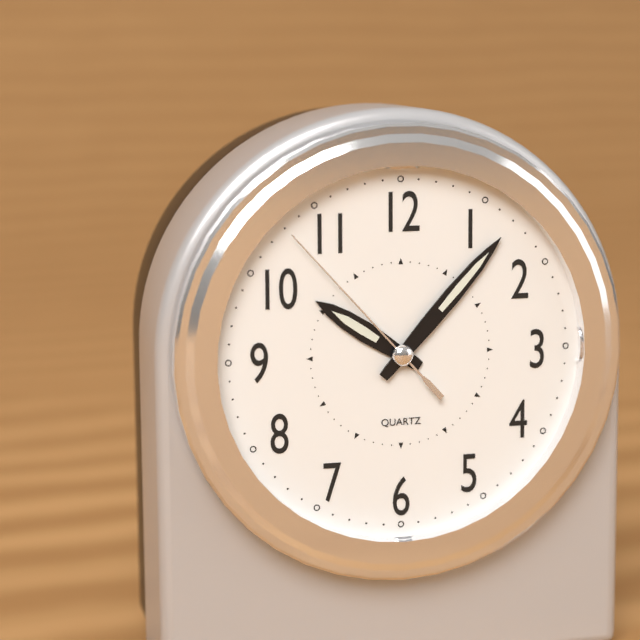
10:07:53
